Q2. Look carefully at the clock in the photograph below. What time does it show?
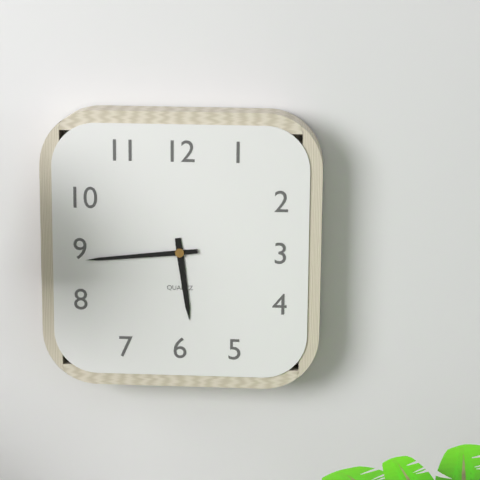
5:44
